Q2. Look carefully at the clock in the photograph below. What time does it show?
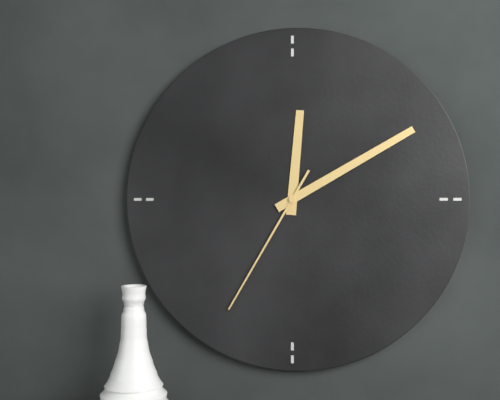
12:10:35
